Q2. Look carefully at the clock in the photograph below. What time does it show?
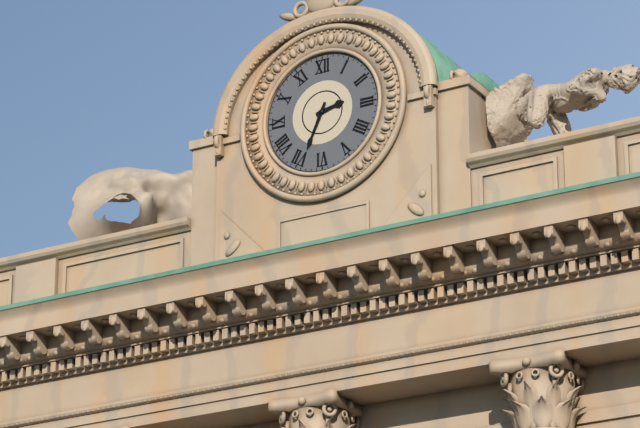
2:34
